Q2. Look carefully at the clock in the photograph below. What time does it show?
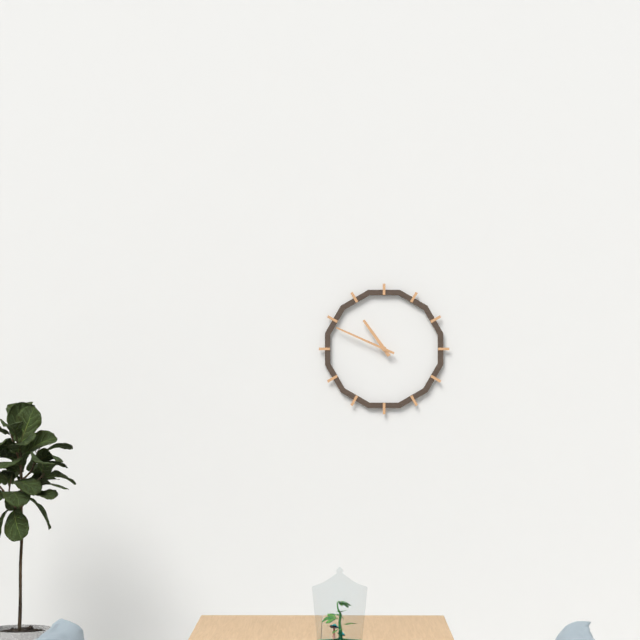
10:49
